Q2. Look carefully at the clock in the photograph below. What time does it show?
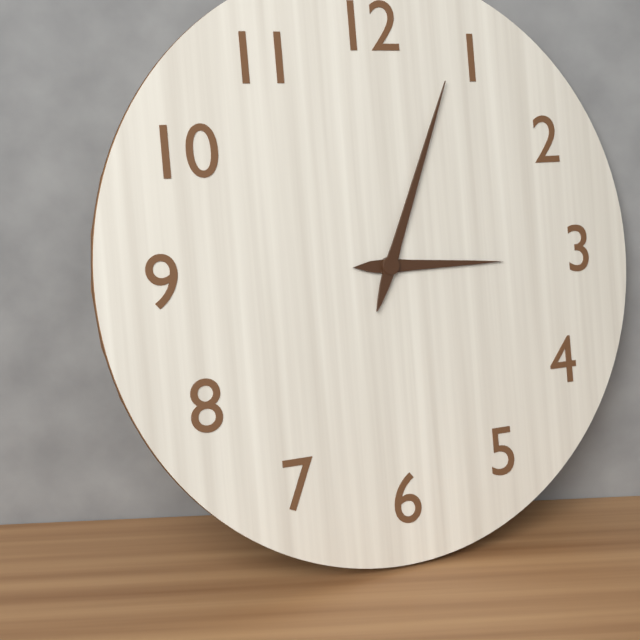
3:04
